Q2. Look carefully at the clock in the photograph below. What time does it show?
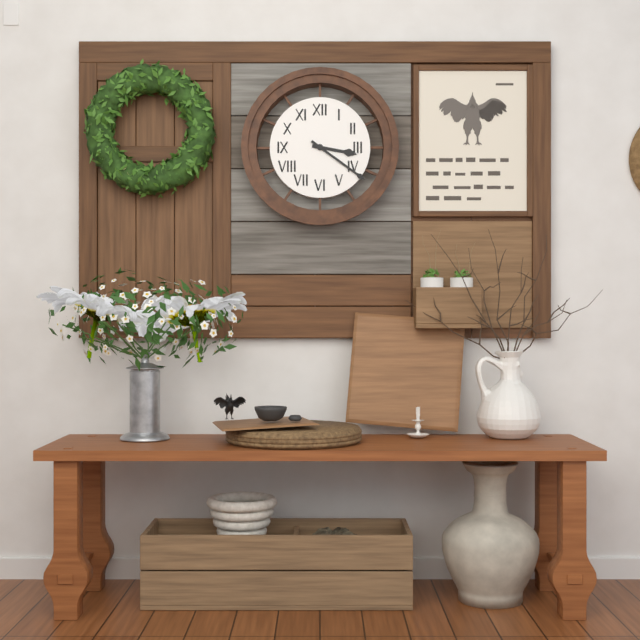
3:21
